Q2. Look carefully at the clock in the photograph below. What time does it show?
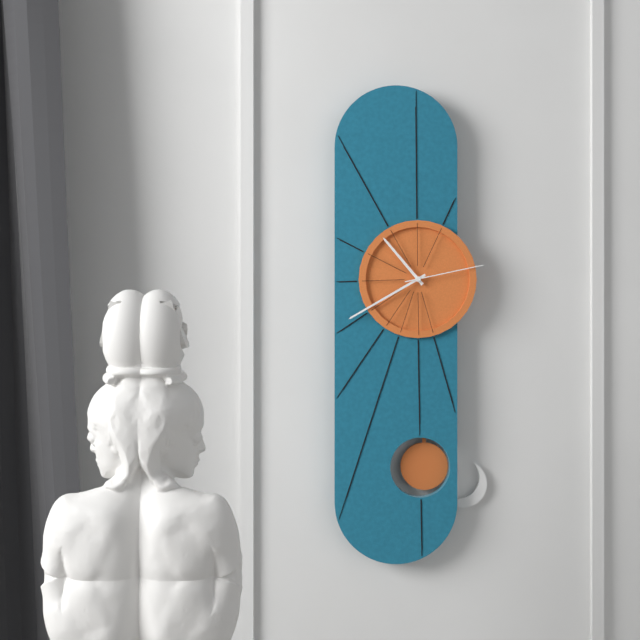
10:40:13
